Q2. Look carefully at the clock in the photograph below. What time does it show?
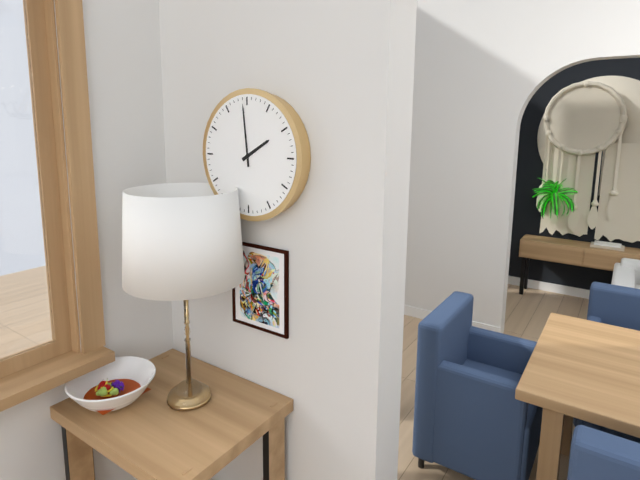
1:59
